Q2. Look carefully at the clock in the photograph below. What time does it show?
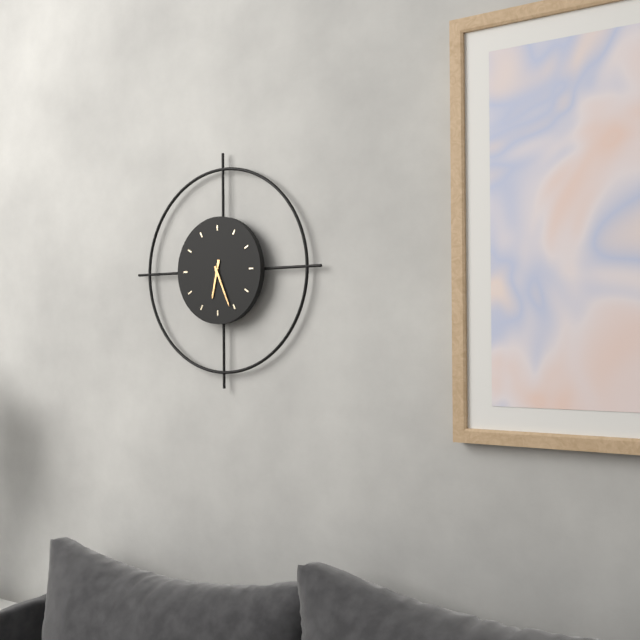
6:26
